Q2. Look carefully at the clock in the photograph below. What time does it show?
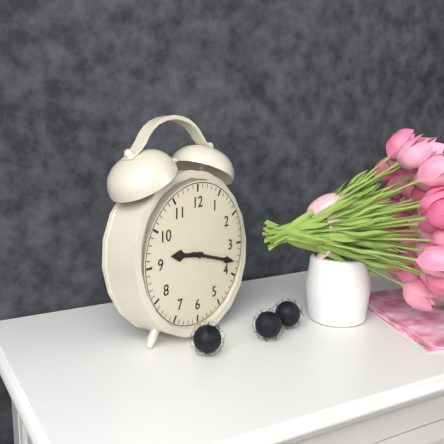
9:18
